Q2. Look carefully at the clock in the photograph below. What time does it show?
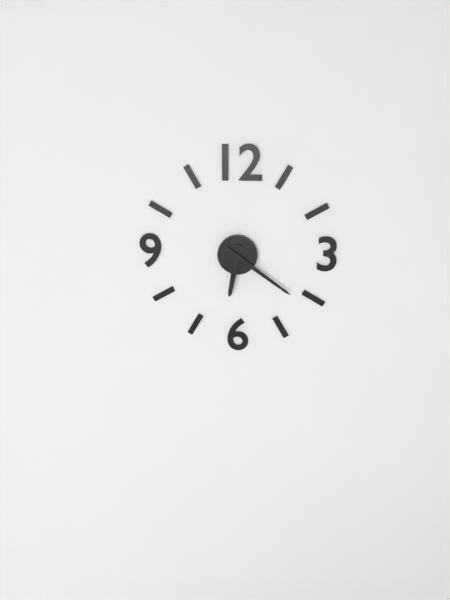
6:21
